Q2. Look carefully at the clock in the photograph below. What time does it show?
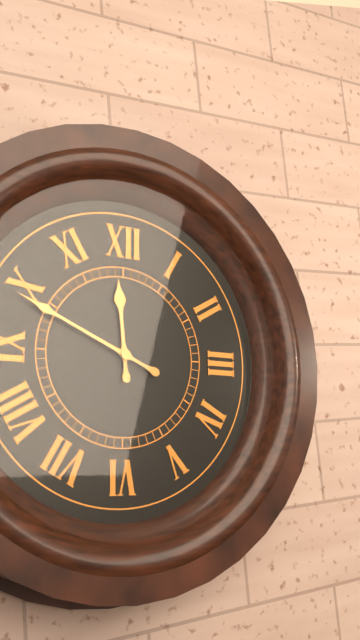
11:49
